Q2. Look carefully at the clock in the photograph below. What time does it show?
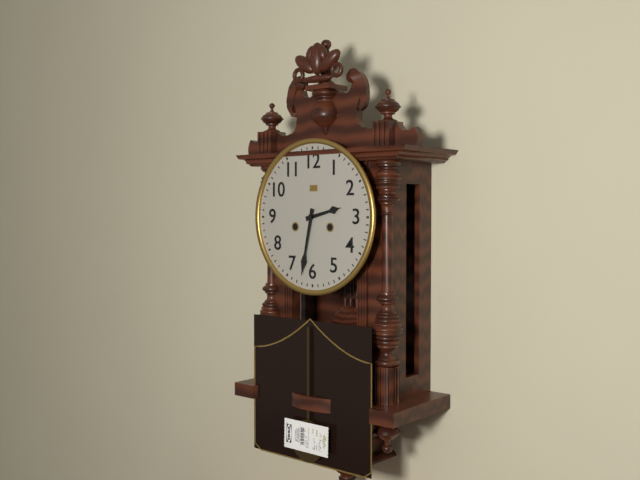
2:32
